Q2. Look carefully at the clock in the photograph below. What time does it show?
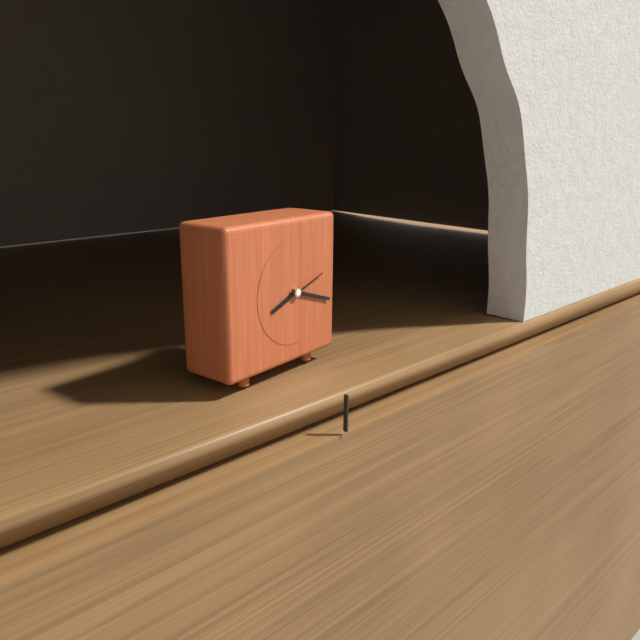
8:18
